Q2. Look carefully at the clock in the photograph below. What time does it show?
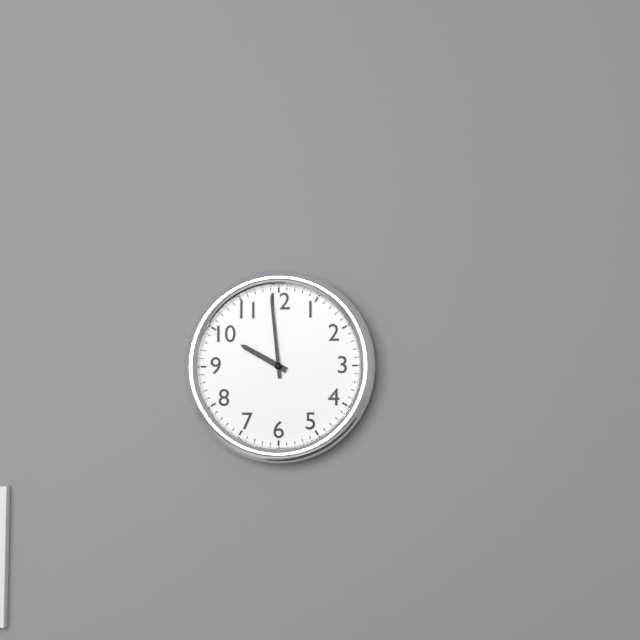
9:59
